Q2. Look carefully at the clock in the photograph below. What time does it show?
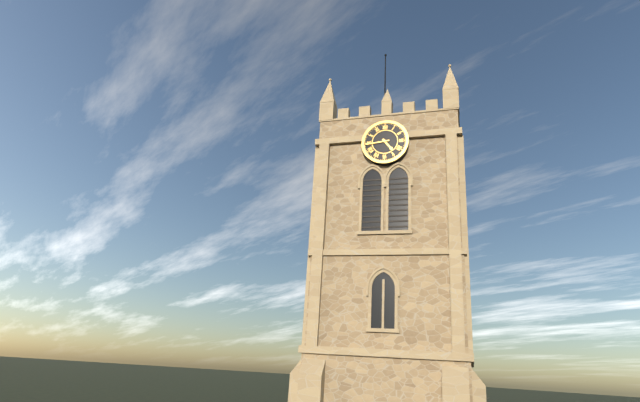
4:44
